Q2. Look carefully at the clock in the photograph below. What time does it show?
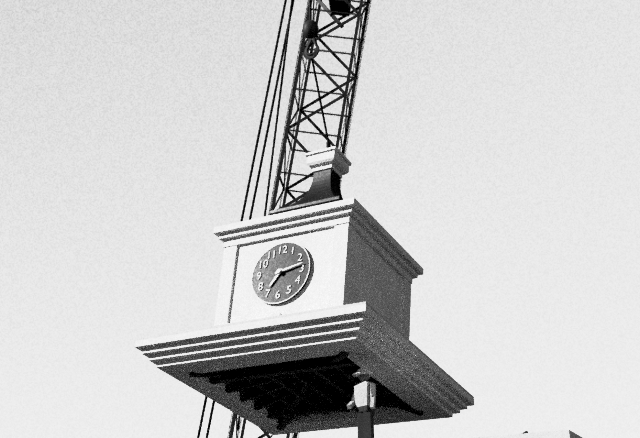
7:13
